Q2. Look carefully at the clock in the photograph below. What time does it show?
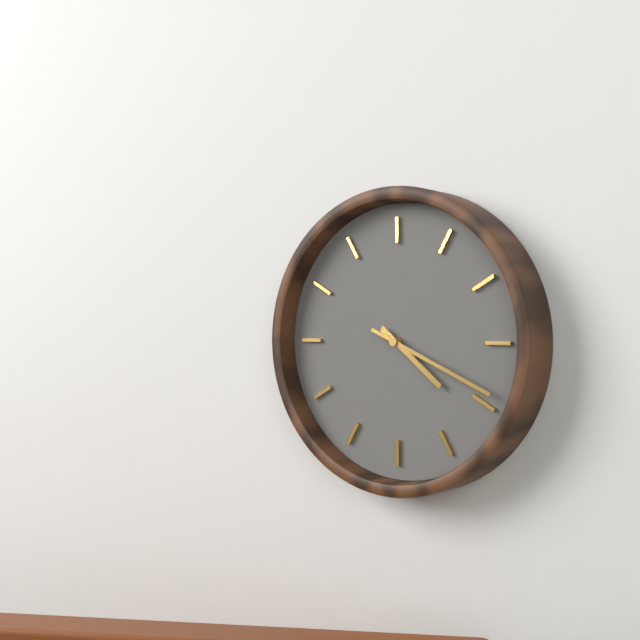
4:19
